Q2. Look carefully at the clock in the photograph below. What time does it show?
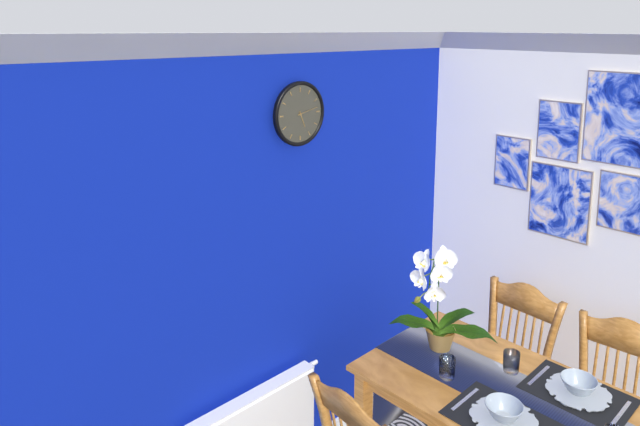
5:13
